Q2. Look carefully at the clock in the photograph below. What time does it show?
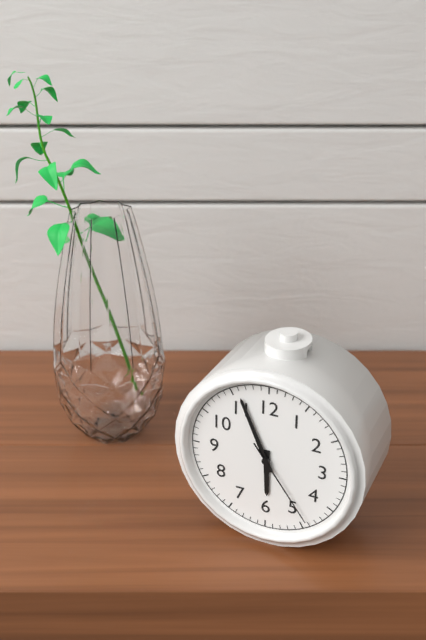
5:56:24
